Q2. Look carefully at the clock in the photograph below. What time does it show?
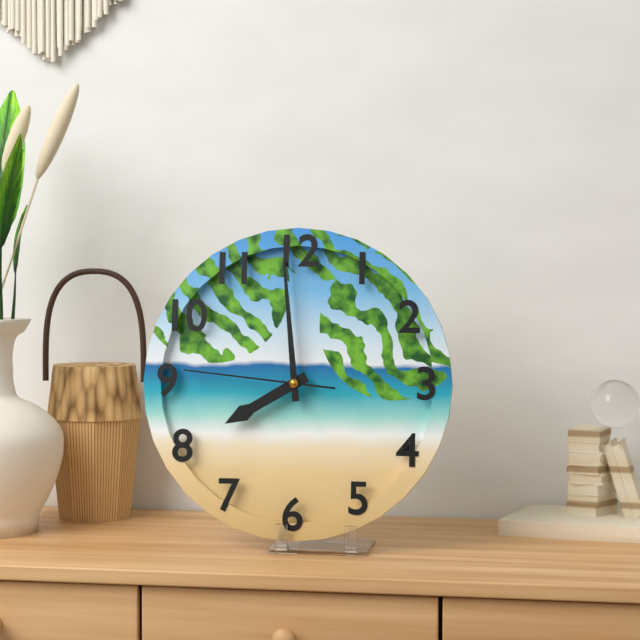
7:59:46
